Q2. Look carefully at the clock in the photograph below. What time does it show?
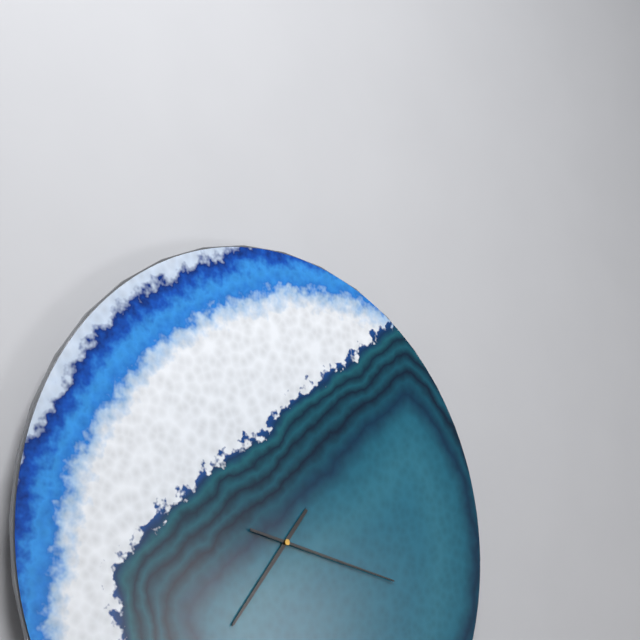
7:17
